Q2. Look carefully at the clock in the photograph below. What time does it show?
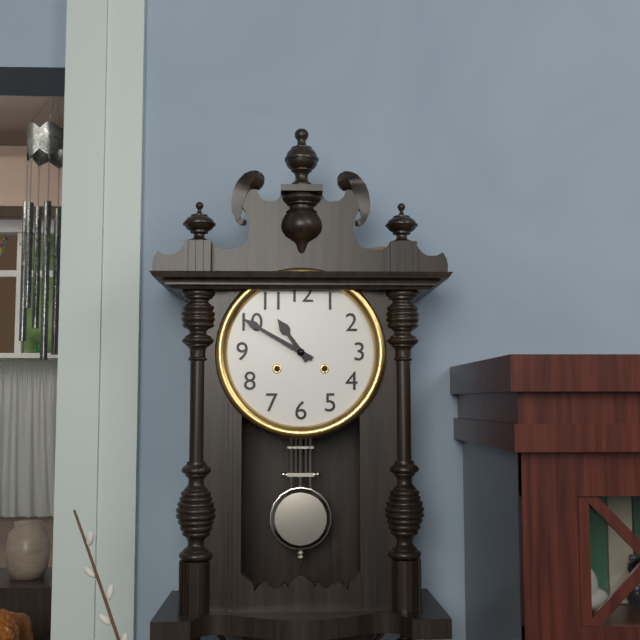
10:50
